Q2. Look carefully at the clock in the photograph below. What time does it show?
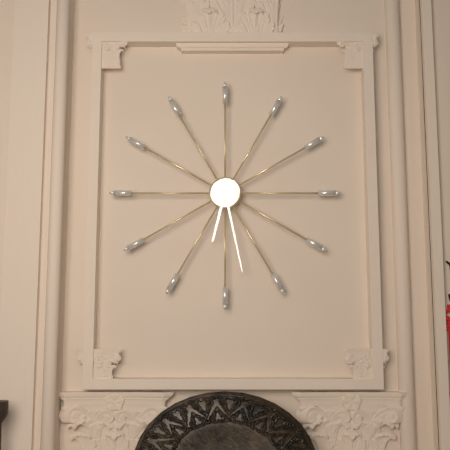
6:28
